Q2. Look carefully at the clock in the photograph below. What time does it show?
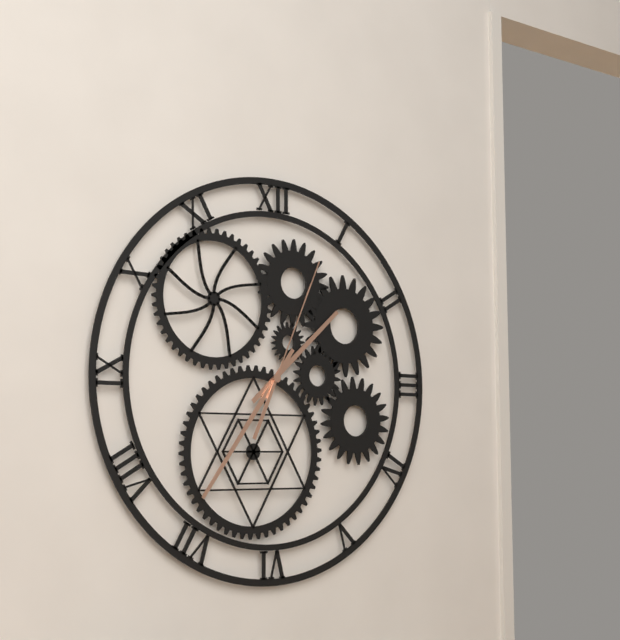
1:36:04
